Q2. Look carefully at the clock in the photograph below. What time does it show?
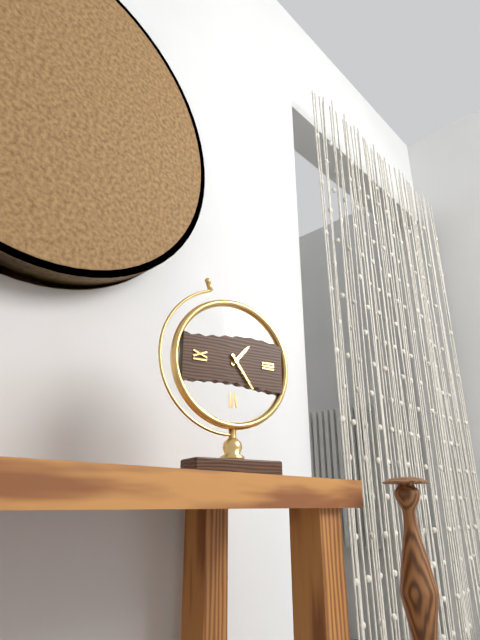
1:24
